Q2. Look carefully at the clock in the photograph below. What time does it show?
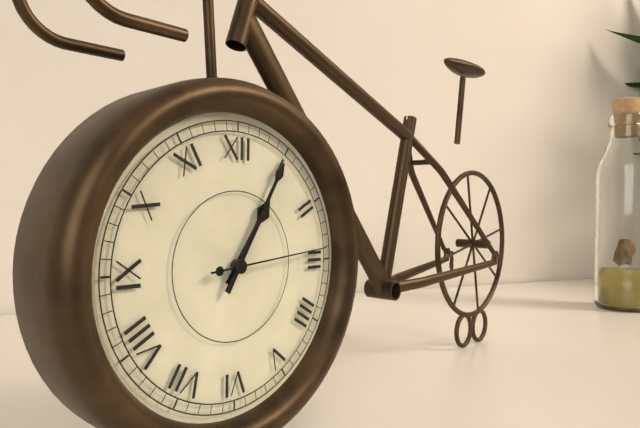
1:05:14
